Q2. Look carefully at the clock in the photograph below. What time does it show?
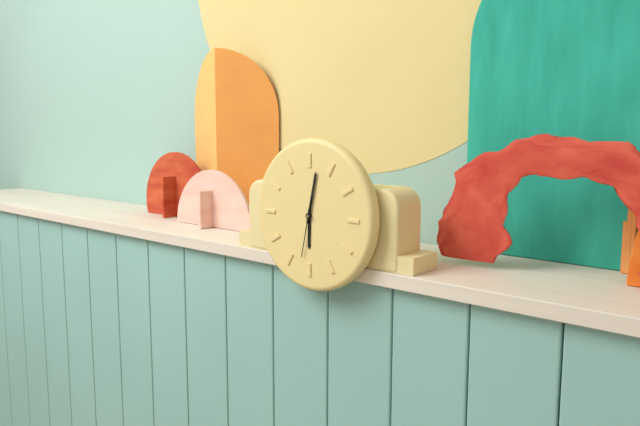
6:02:32
